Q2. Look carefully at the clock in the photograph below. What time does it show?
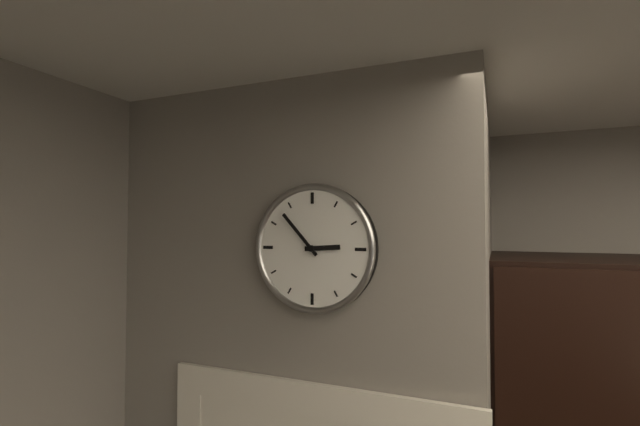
2:53
